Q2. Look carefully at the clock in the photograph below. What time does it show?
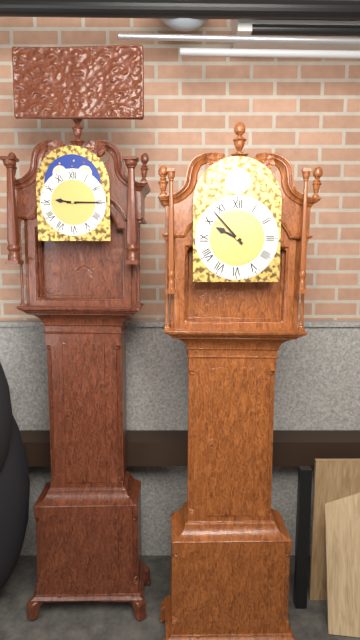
9:53
